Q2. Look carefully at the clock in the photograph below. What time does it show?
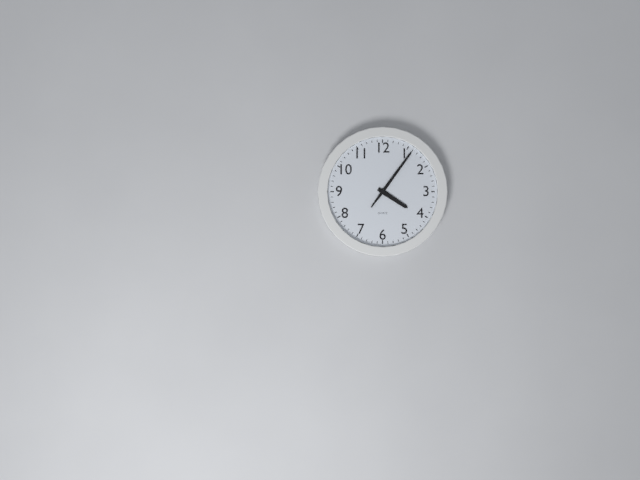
4:06
